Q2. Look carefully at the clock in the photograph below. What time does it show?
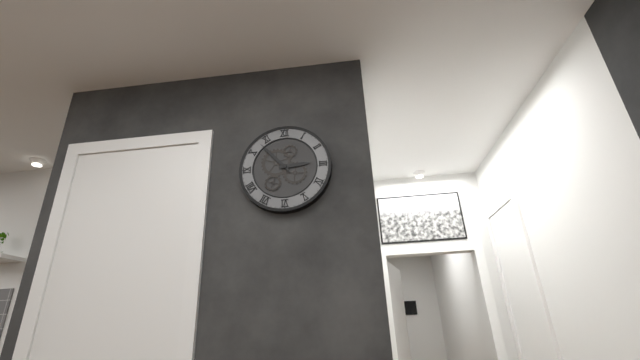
2:53
